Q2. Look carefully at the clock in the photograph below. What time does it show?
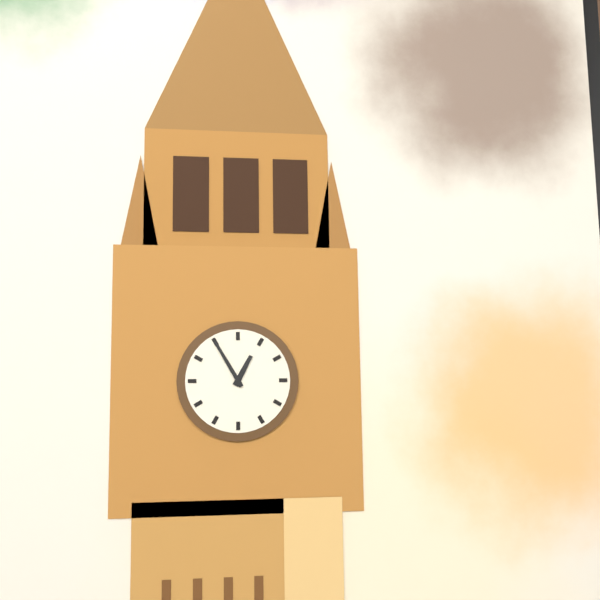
12:55
